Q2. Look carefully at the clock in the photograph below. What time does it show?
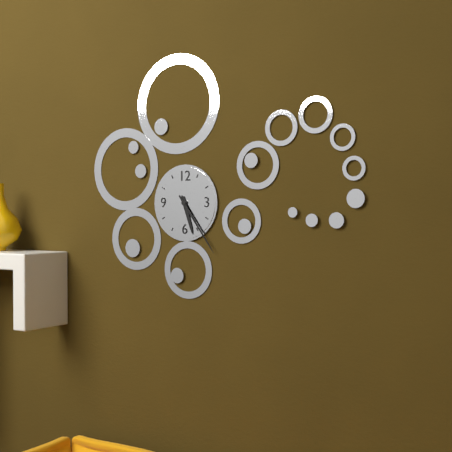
5:24
